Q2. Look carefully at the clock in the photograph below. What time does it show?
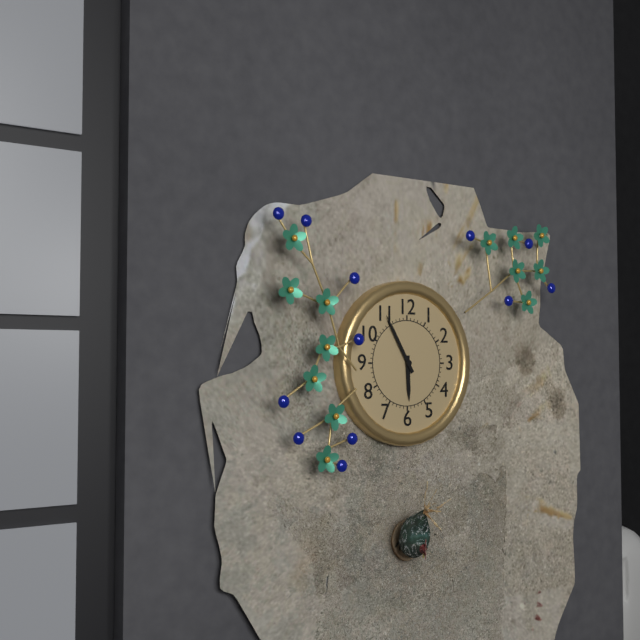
5:55
